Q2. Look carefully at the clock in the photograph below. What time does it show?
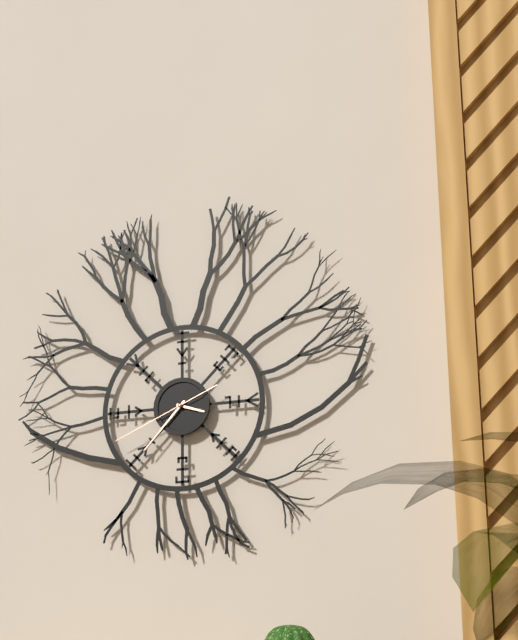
3:37:41
